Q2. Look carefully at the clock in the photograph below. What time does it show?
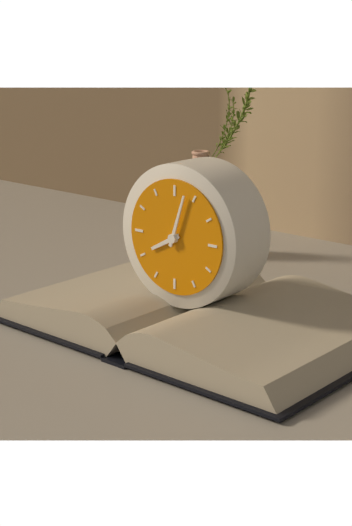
8:03
